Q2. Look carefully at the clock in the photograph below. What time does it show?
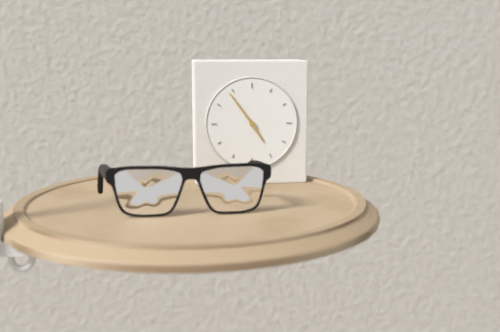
4:54
